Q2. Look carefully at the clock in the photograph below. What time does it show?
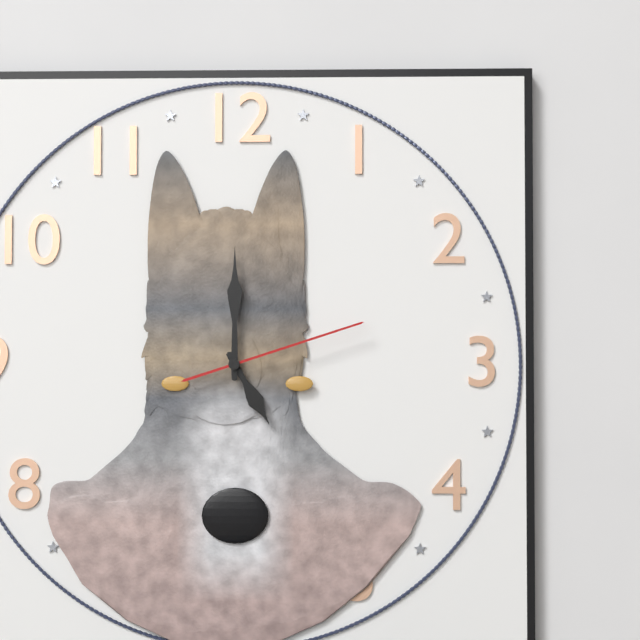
5:00:12
